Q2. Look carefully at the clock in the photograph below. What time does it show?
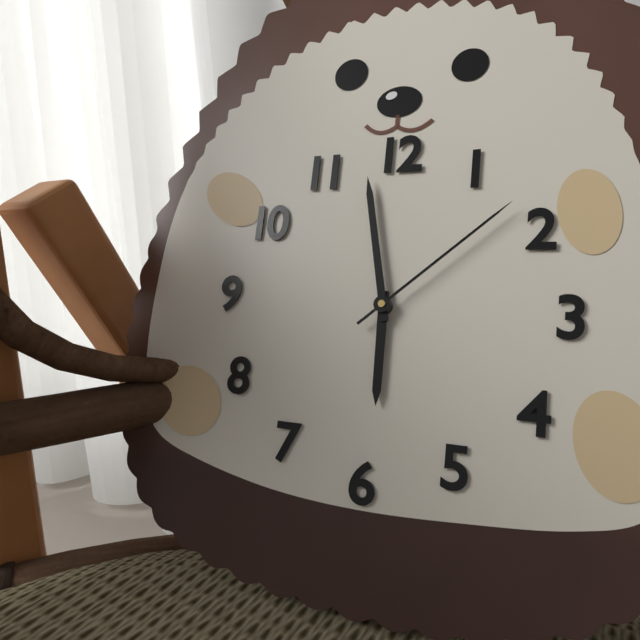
5:58:08
